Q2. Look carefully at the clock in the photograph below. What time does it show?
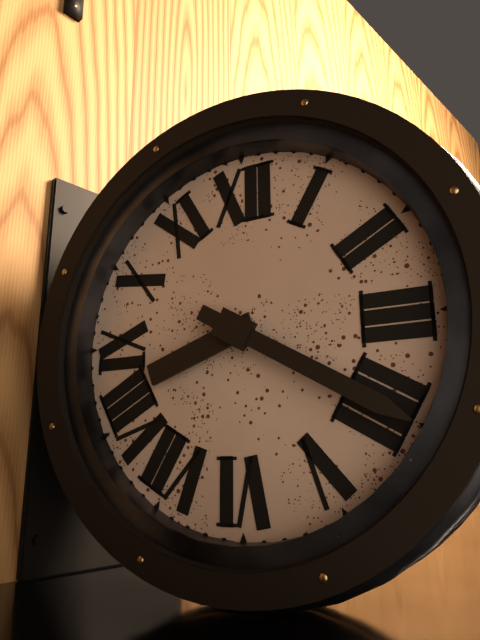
8:20
